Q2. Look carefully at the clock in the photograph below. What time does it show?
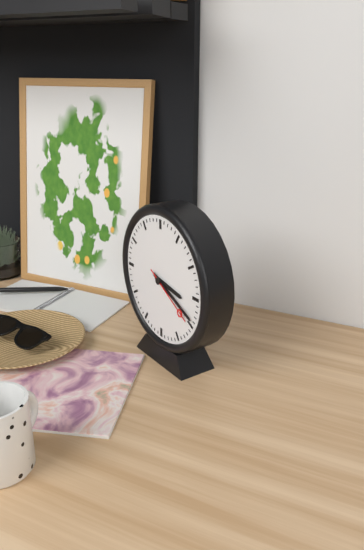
3:19:20
